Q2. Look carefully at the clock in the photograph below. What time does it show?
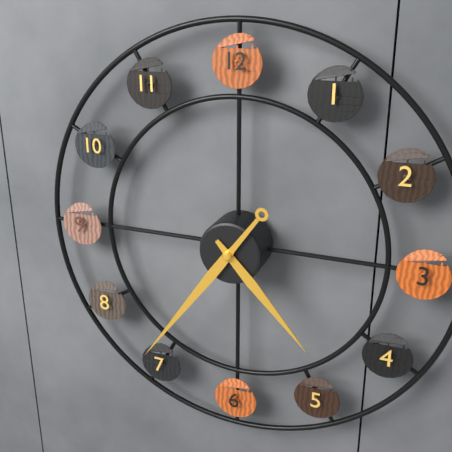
4:36
